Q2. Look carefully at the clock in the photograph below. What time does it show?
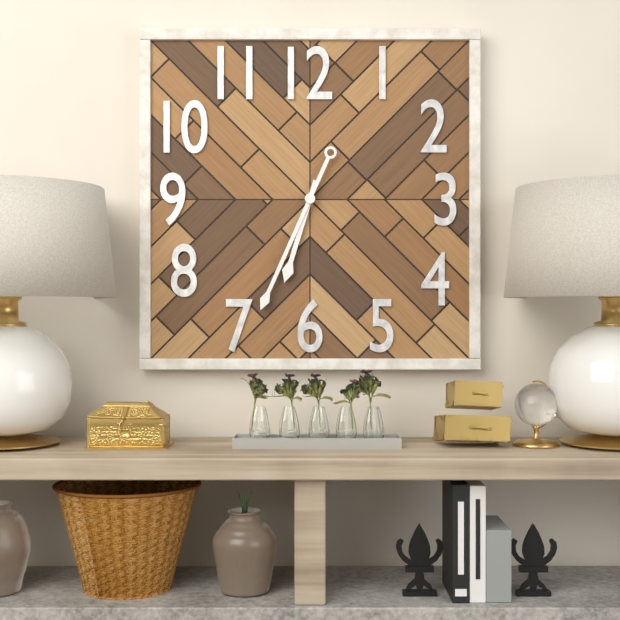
6:34
